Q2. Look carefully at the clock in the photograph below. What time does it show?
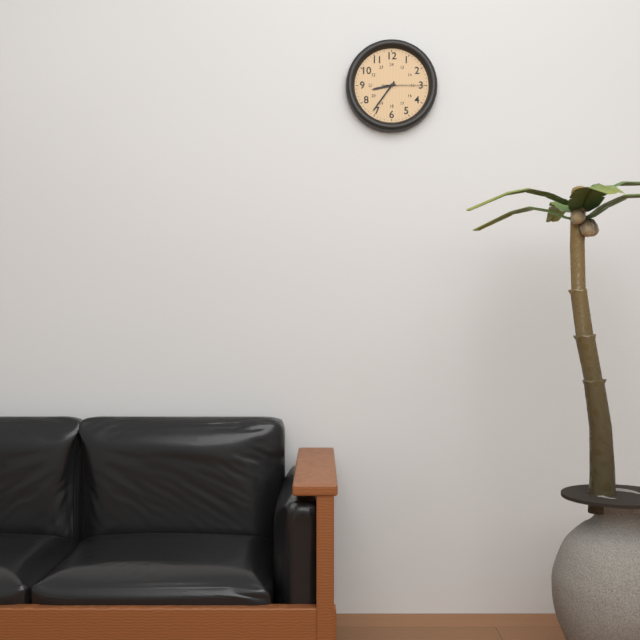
8:36
